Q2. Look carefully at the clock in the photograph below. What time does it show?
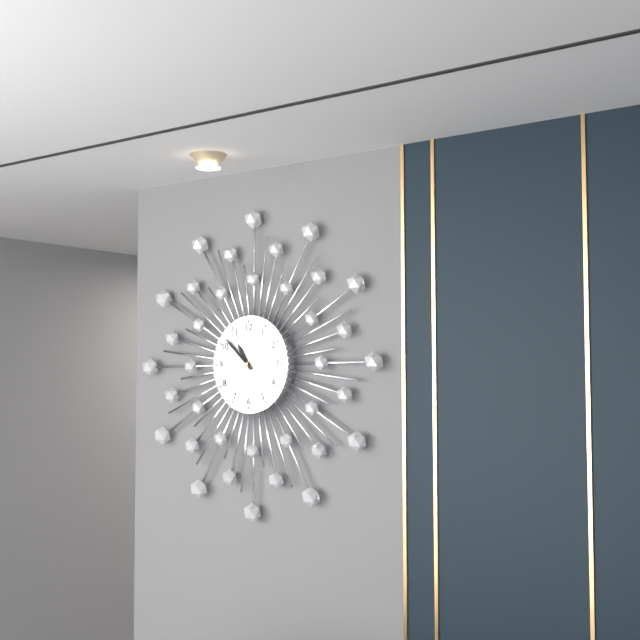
10:52:05
